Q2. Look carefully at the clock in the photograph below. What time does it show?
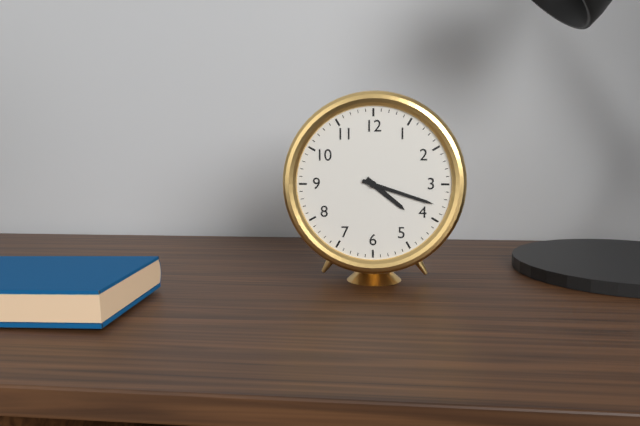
4:18
